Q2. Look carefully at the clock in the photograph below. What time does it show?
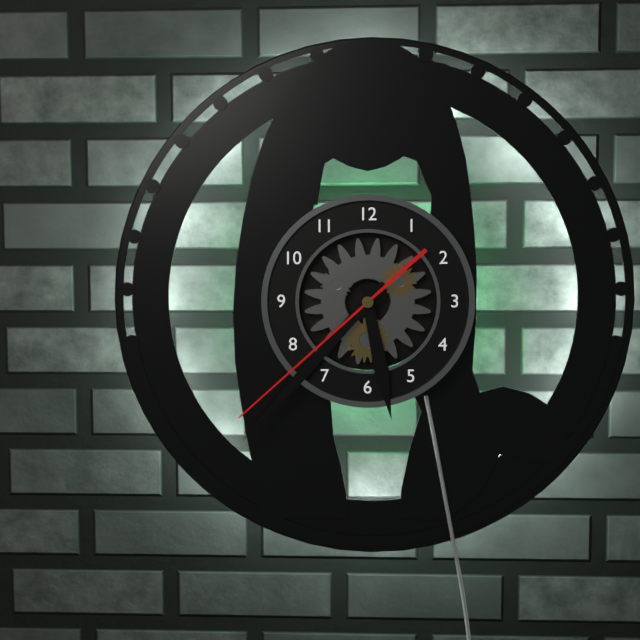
5:37:38
